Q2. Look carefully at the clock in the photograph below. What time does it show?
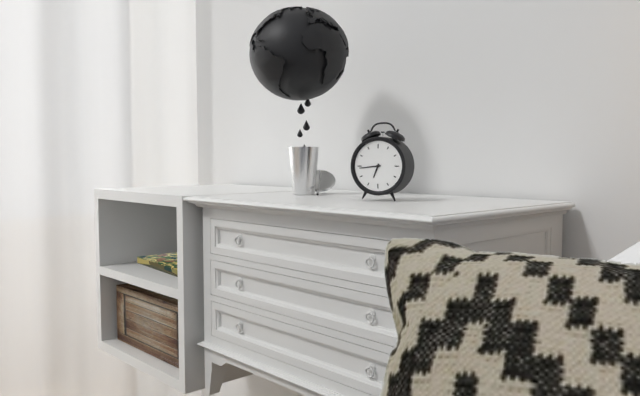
6:44
